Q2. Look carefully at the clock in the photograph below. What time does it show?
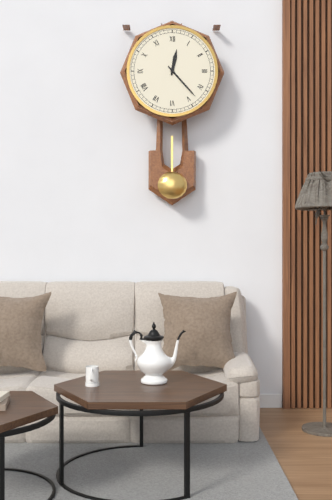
12:23
